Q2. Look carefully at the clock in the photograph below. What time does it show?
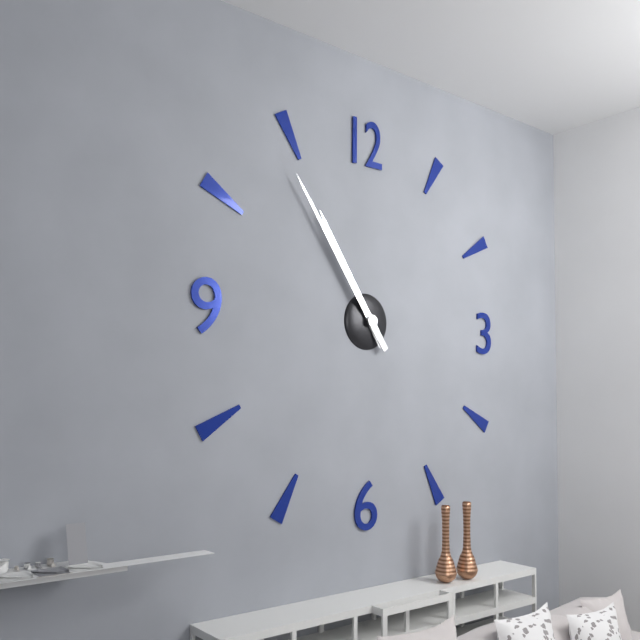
10:54
